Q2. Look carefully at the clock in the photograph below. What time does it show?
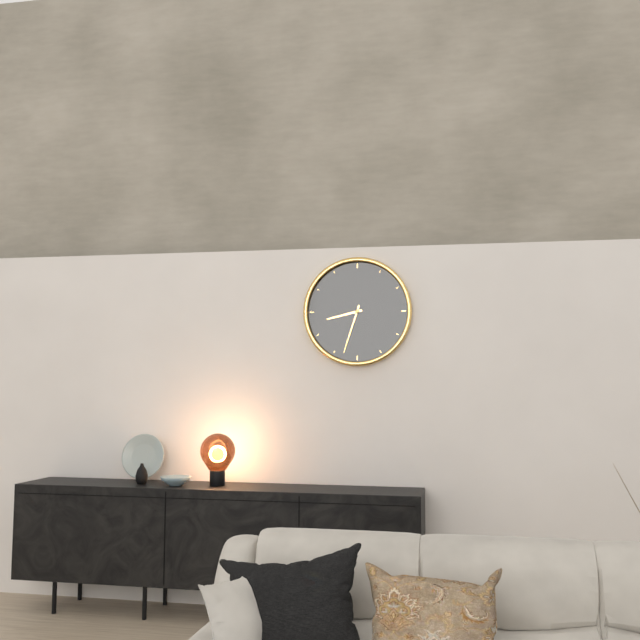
8:33
